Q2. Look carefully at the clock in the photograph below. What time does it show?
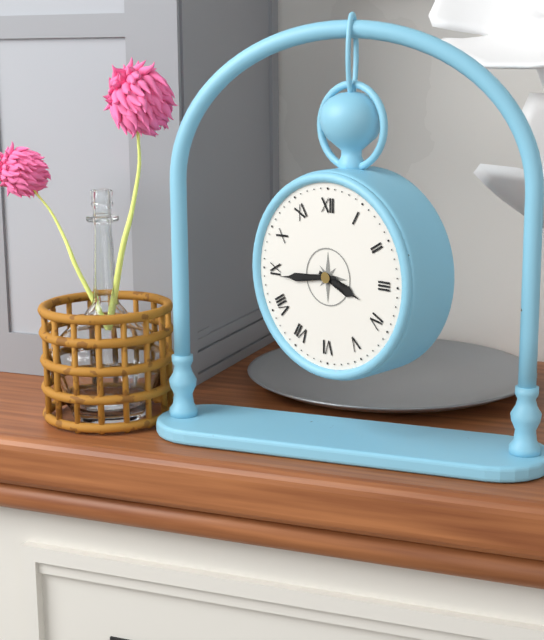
3:44
